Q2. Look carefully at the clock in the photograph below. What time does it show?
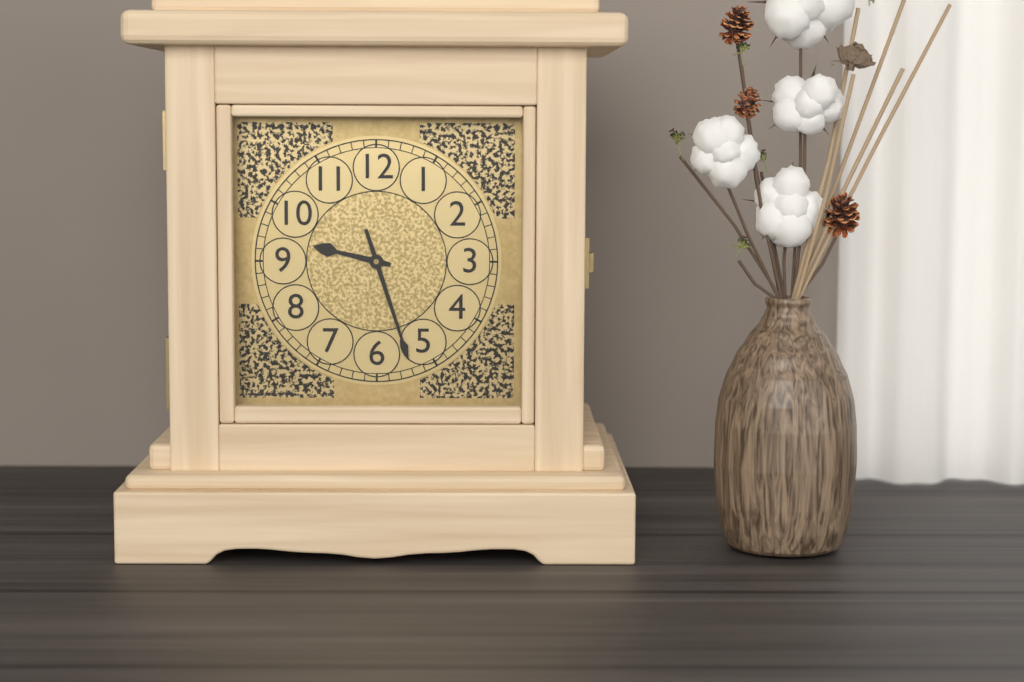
9:27
